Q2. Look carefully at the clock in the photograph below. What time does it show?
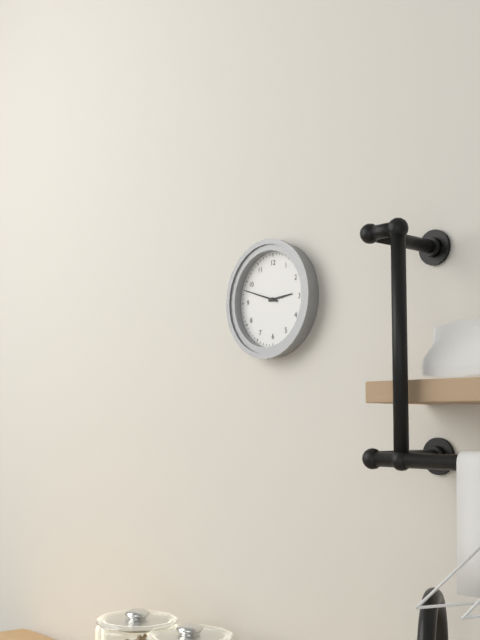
2:48
